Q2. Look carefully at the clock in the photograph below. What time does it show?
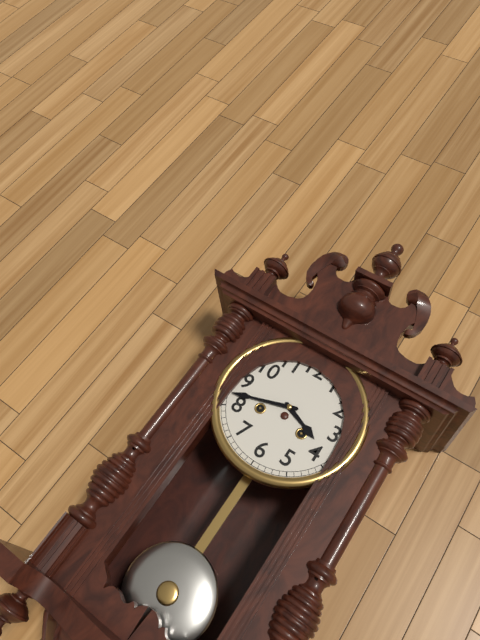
3:42
